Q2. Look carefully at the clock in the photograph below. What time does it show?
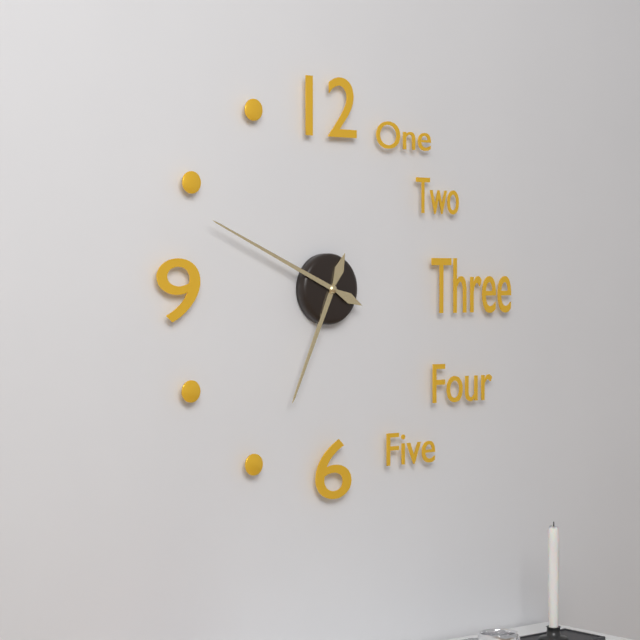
6:49
